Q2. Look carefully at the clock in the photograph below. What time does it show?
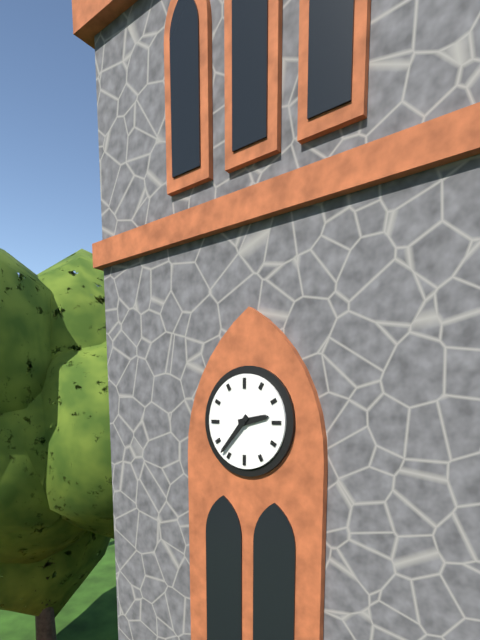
2:37
